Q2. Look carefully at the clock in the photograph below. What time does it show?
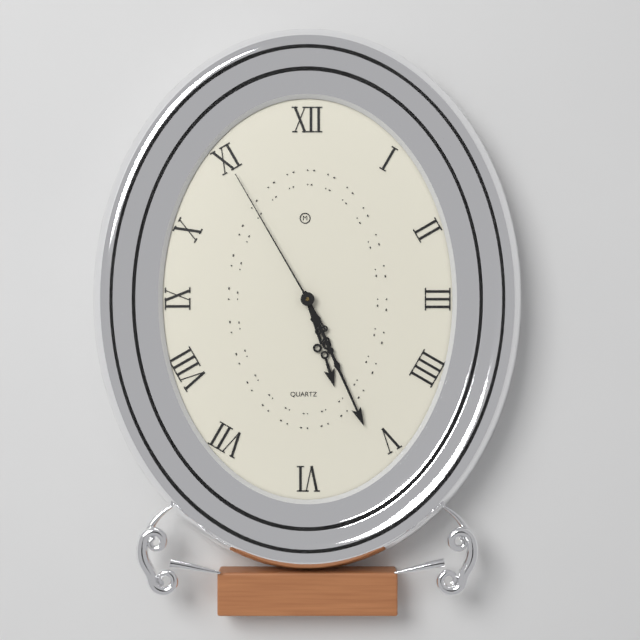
5:26:55
